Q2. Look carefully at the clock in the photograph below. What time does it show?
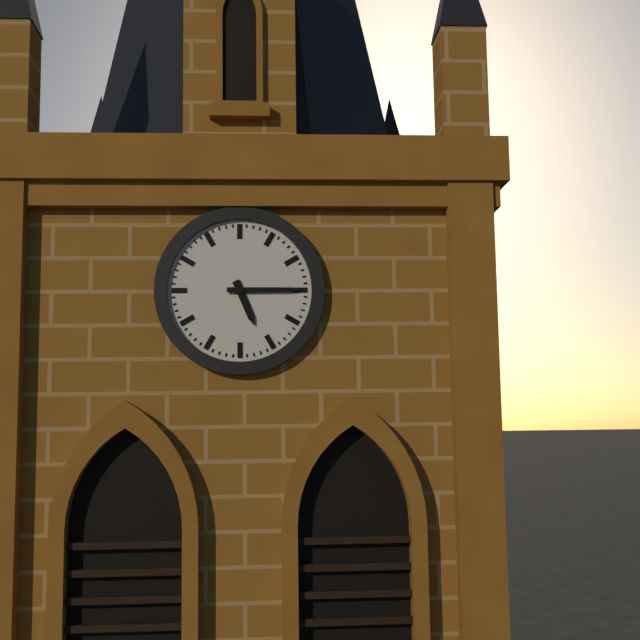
5:15
